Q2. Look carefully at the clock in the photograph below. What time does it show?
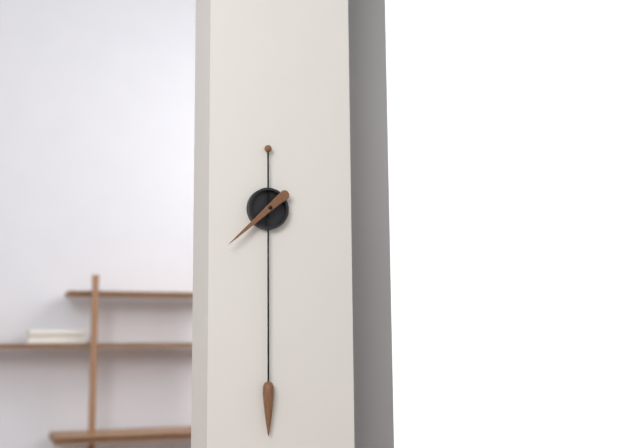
7:38
